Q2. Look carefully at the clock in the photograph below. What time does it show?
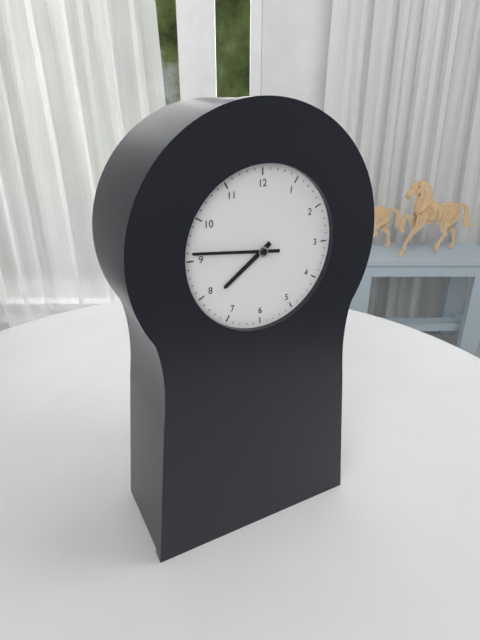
7:46
